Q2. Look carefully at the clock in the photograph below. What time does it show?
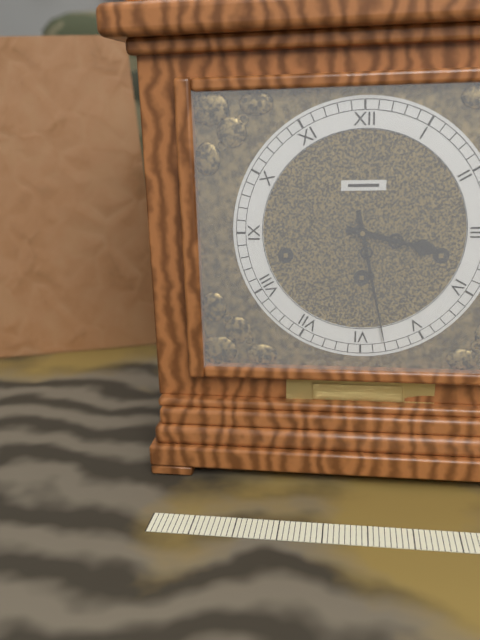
3:28
